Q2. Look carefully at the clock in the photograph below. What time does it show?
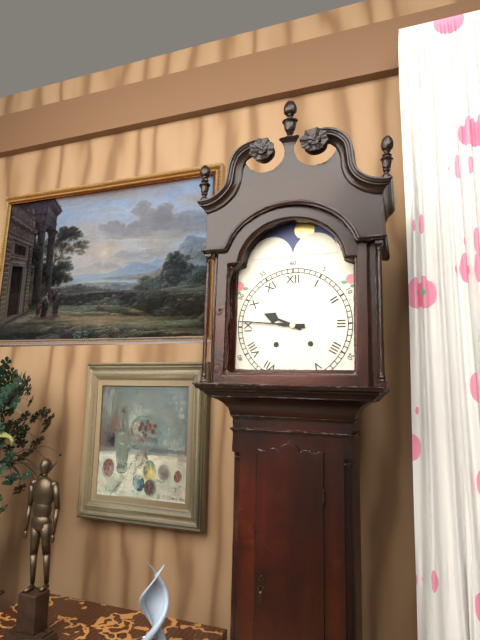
9:46
